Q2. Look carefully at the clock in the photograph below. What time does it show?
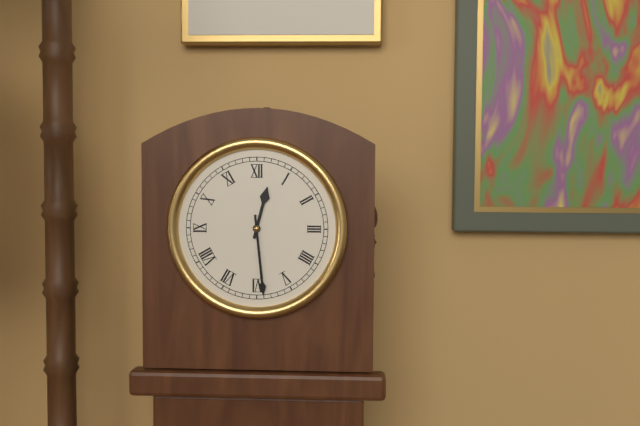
12:29
